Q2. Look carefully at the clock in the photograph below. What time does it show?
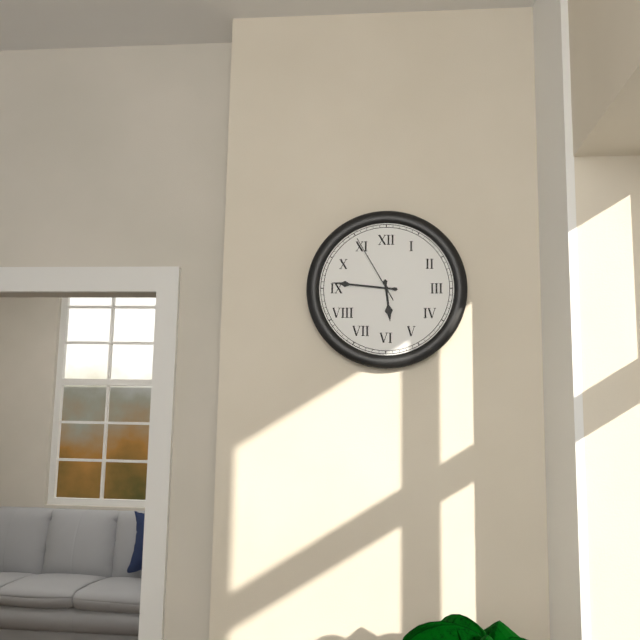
5:46:55
